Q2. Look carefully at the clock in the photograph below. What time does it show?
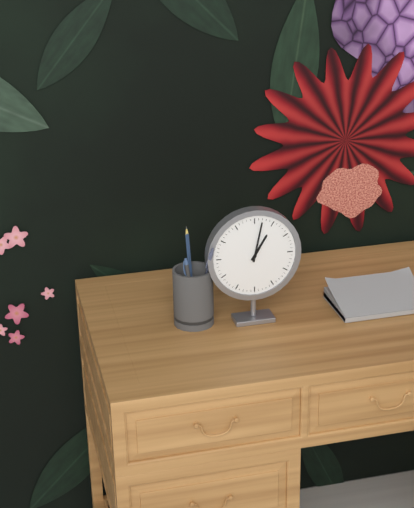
1:02
